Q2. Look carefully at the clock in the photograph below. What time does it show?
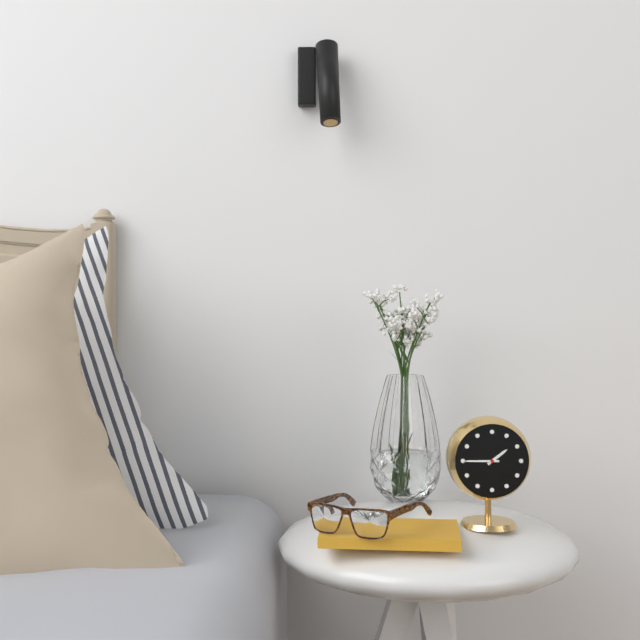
1:45
